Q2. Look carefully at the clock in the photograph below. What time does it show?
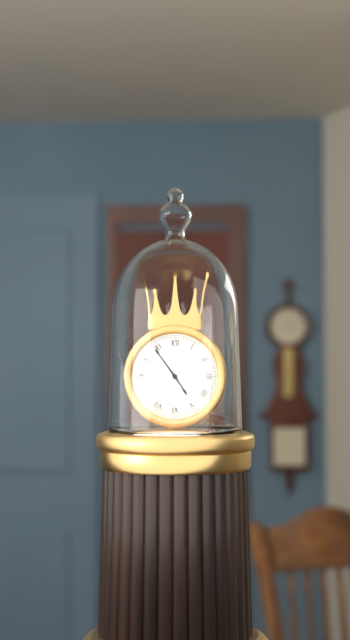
4:54
